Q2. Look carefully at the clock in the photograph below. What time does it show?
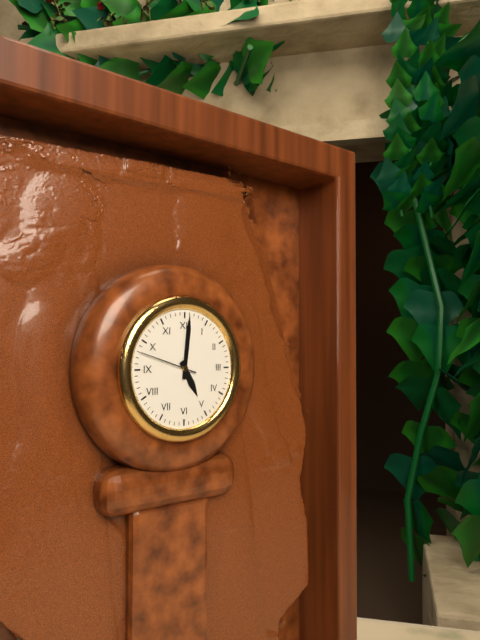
5:01:48
